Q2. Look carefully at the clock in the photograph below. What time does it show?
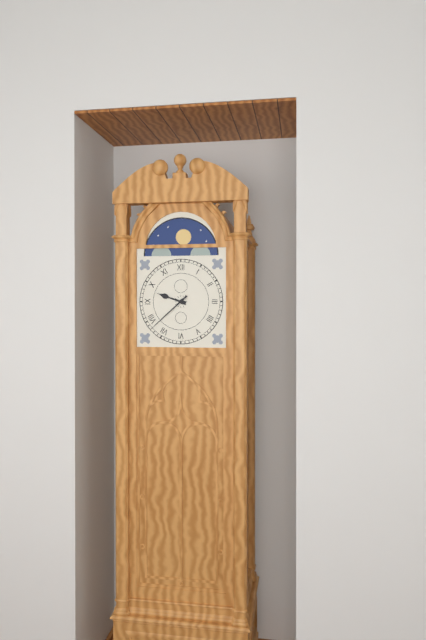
9:38
